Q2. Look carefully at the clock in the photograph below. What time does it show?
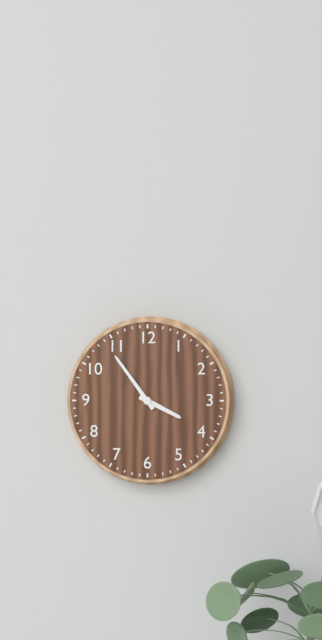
3:54
